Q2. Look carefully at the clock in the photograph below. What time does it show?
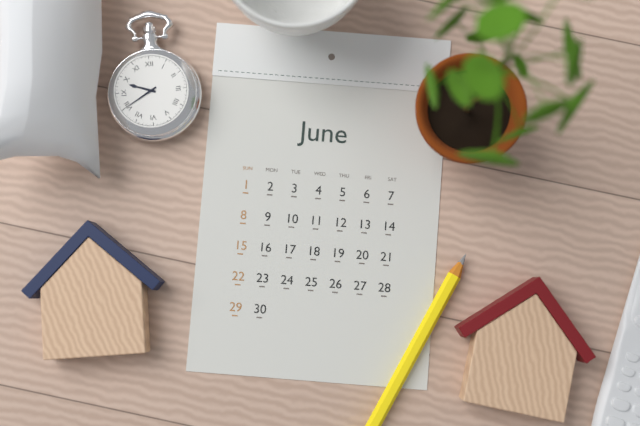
9:40
